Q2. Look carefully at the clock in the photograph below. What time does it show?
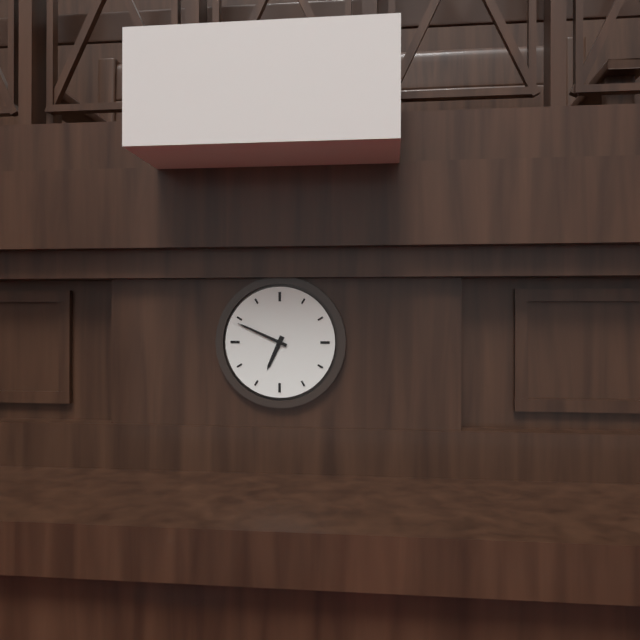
6:49
